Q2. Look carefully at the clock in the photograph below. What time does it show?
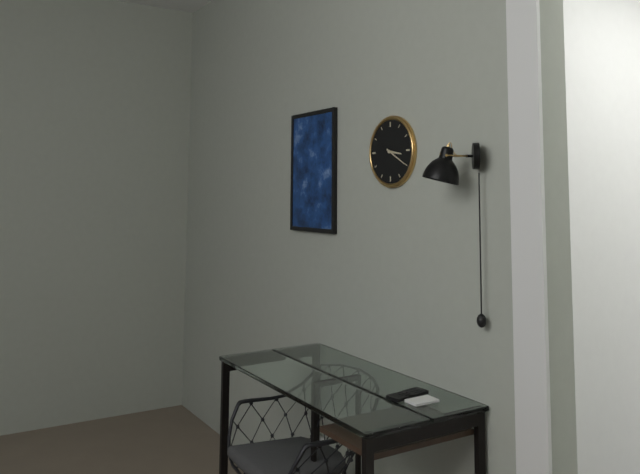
3:20
